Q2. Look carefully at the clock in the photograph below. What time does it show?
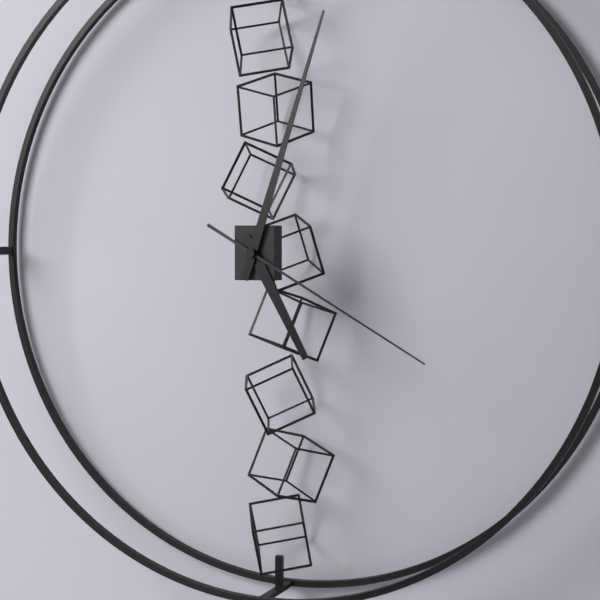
5:03:20
